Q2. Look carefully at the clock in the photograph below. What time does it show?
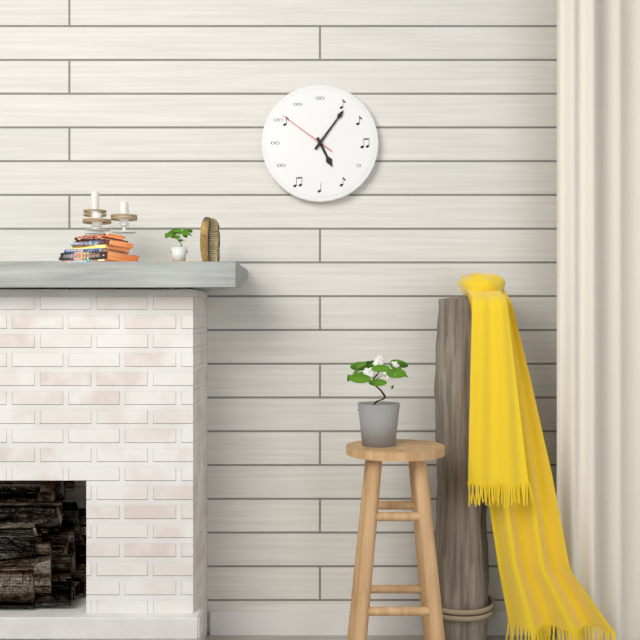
5:06:51
